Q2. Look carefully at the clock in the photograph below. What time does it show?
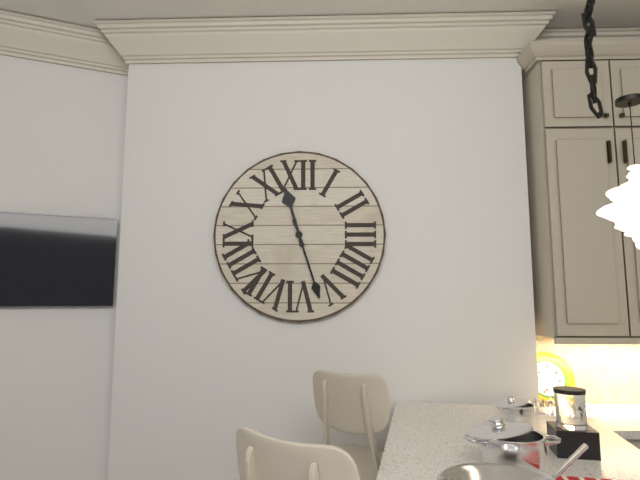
11:27
